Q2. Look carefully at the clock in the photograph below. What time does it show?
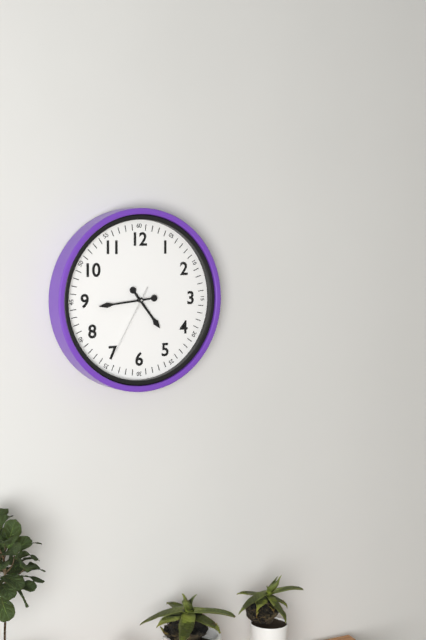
4:44:35
